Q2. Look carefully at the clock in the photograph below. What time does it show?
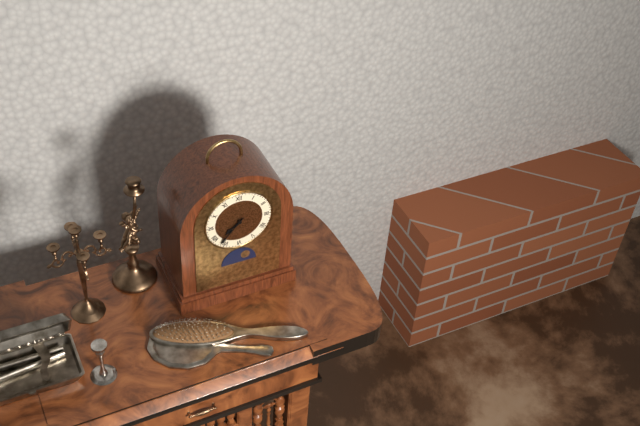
7:37
